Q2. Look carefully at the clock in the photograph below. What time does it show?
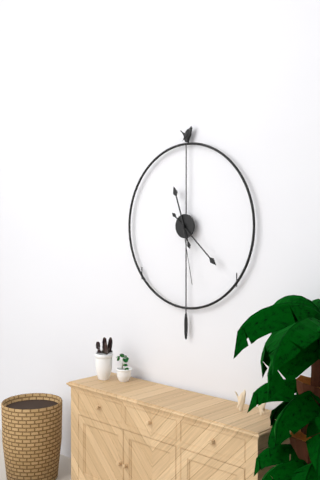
11:22:28
